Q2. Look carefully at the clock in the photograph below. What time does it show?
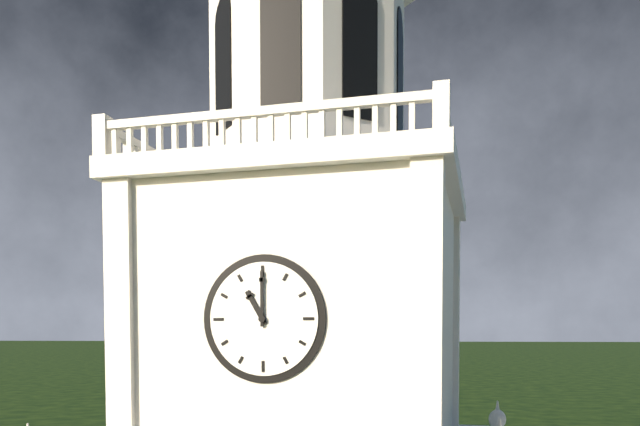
11:00
